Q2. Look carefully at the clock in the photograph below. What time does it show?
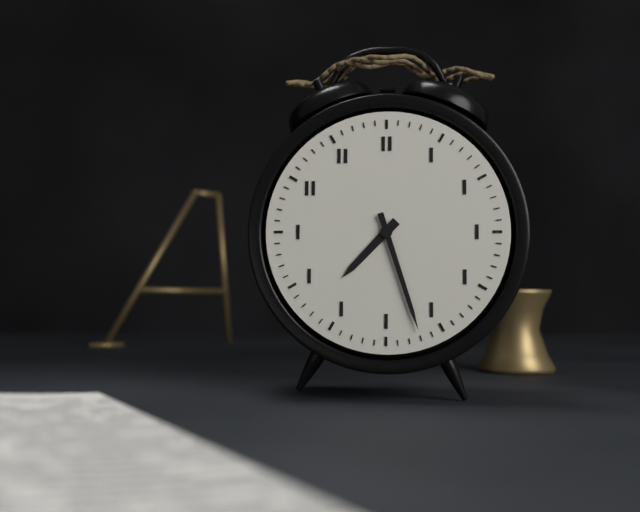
7:27
